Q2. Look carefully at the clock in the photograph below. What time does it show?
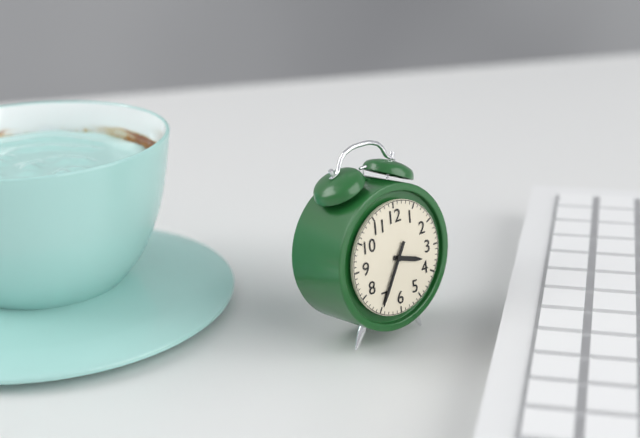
3:35
